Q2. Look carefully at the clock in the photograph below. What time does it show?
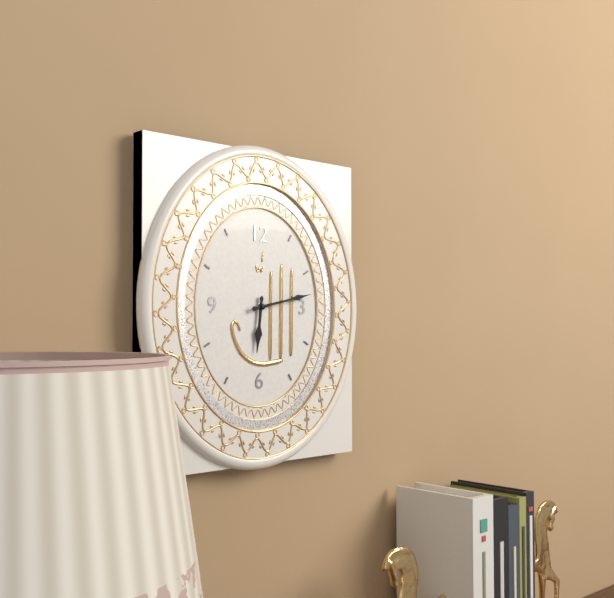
6:13
